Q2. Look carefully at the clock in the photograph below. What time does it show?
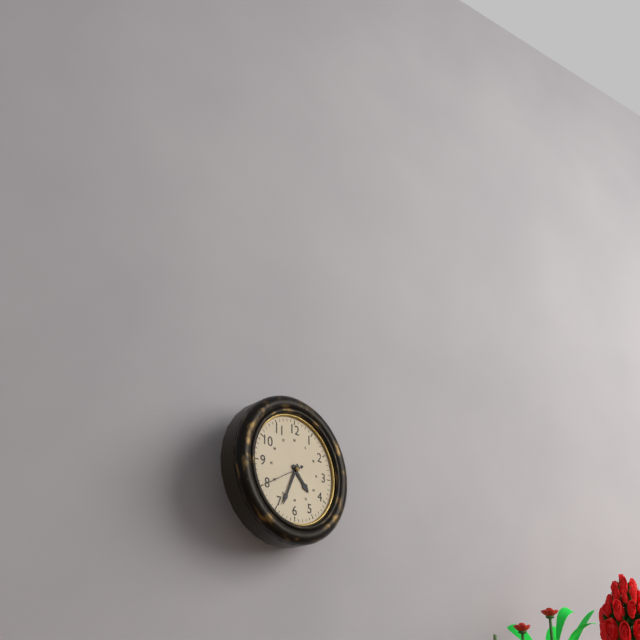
4:34
